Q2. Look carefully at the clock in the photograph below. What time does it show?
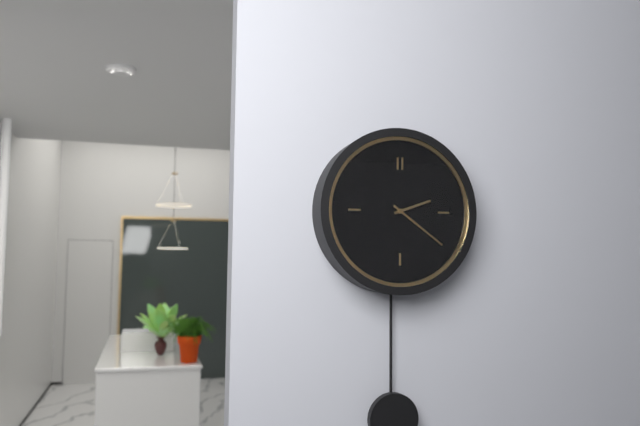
2:21
